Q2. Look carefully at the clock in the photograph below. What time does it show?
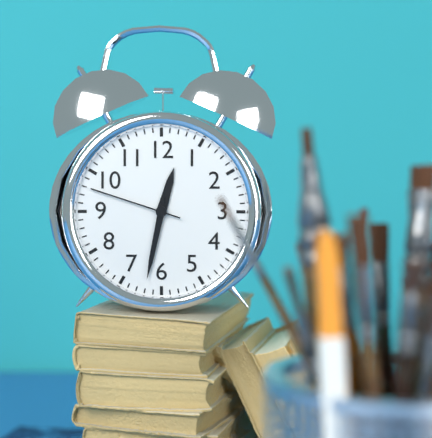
12:32:48
